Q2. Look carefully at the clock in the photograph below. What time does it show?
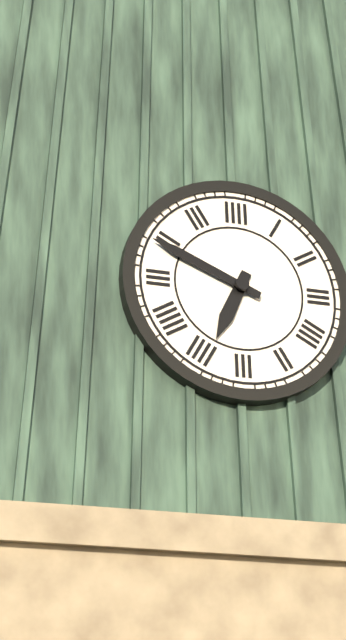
6:49
